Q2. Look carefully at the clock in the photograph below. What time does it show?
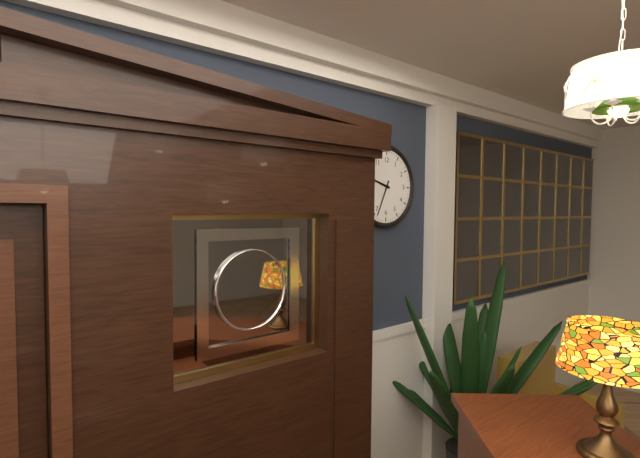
9:34
